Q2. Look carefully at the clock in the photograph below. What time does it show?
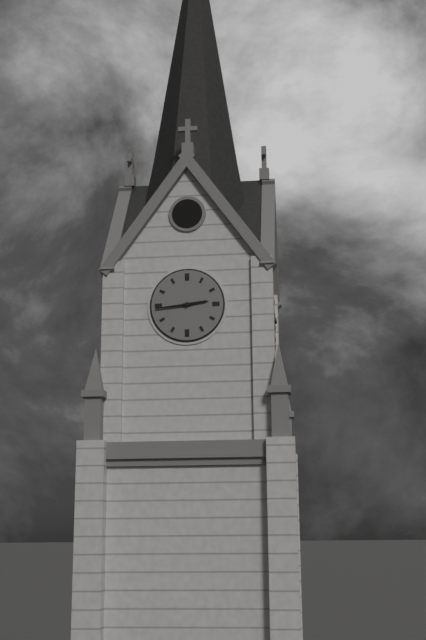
2:44
